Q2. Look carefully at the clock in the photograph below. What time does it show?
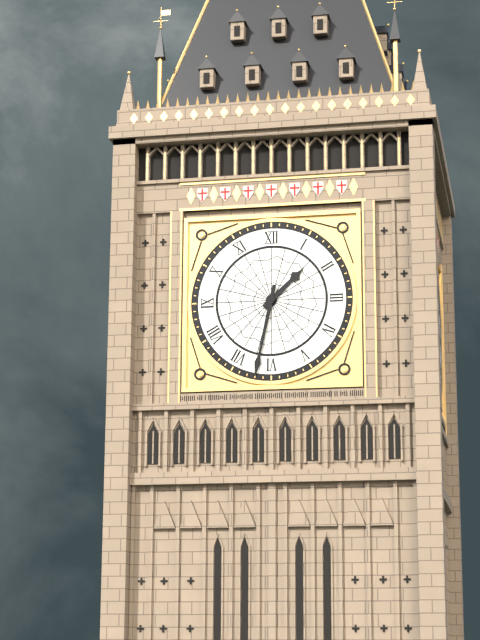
1:32
